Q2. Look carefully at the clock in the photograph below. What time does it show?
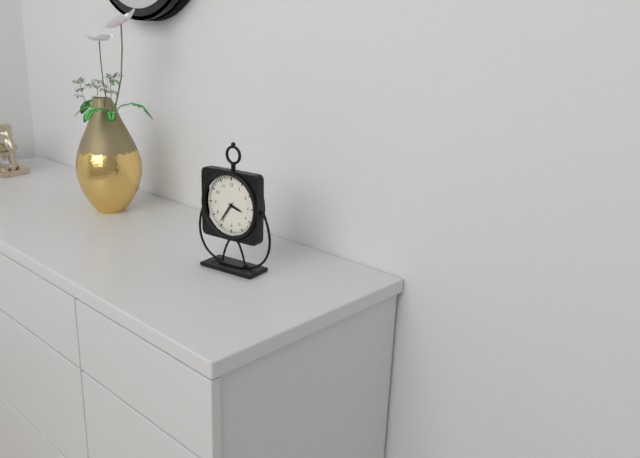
3:36
